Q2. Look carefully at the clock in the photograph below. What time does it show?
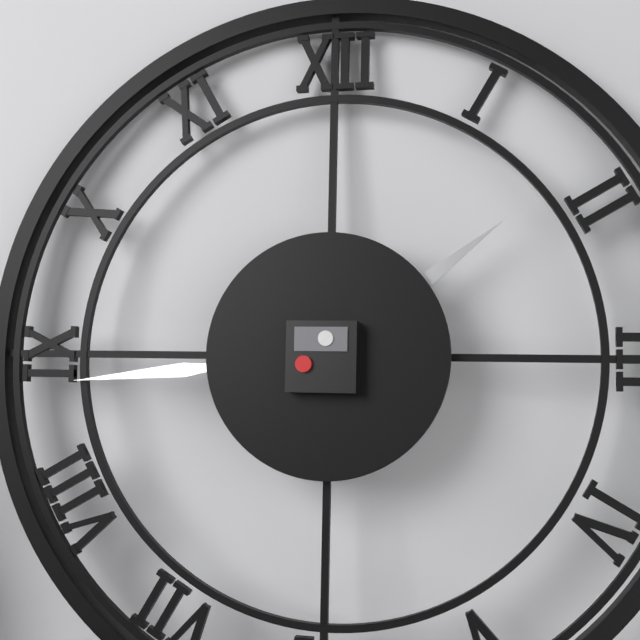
1:44
